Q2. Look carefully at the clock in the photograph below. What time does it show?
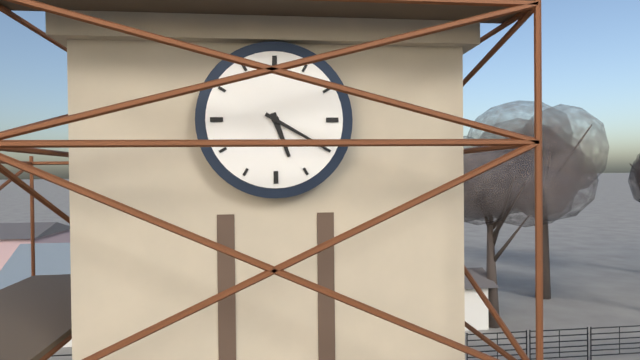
5:20
